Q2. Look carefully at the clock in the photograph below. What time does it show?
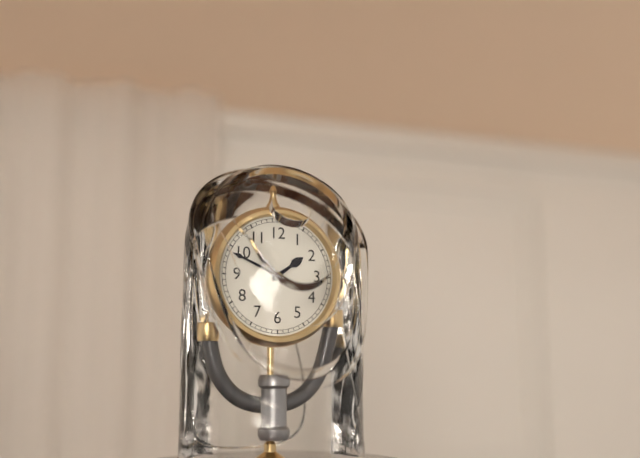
1:49
